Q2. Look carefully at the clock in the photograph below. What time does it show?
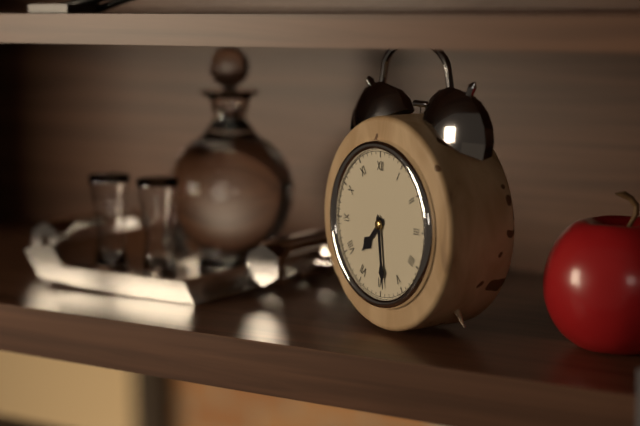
7:29
